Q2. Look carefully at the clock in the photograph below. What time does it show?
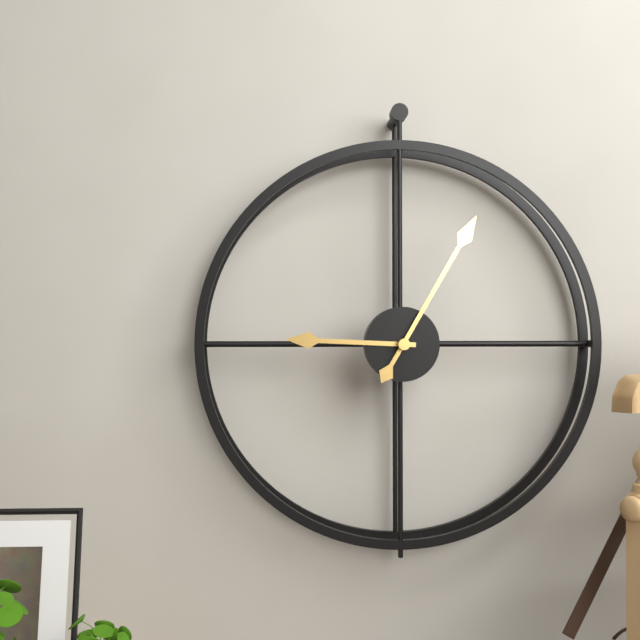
9:05
